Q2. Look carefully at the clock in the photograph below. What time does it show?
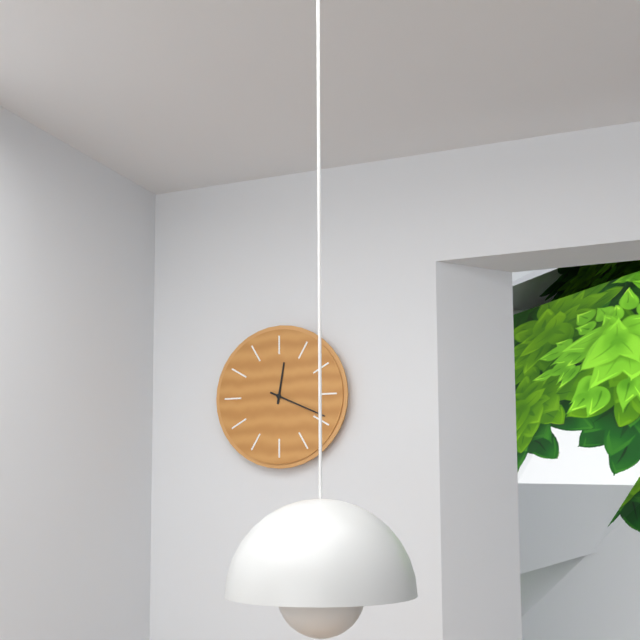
12:19
